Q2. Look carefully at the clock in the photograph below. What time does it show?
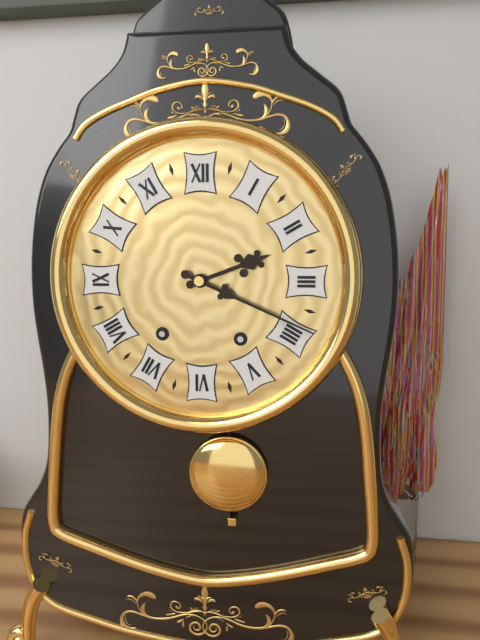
2:19
